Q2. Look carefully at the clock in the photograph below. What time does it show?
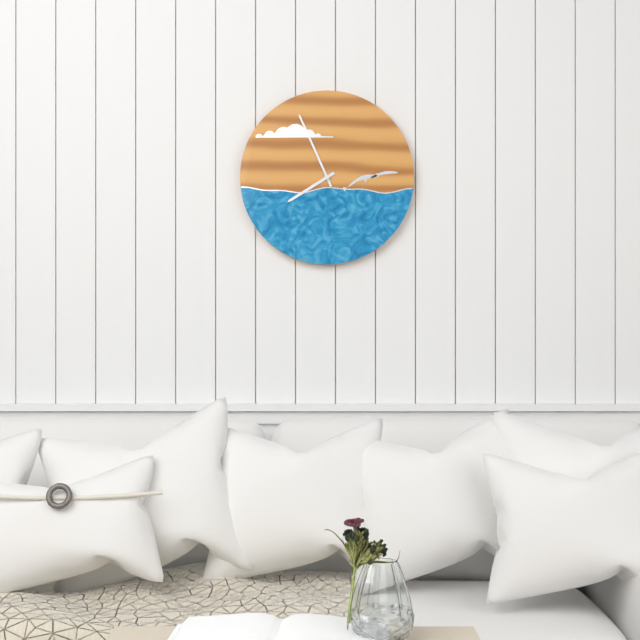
7:56
